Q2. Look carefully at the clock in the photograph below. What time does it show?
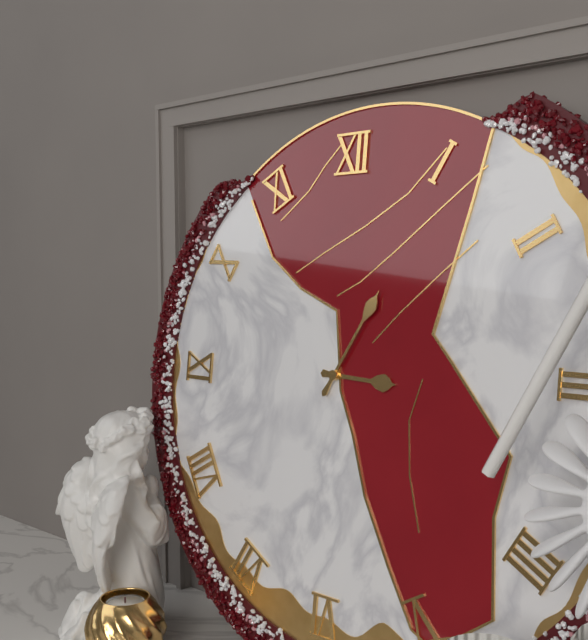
3:05
